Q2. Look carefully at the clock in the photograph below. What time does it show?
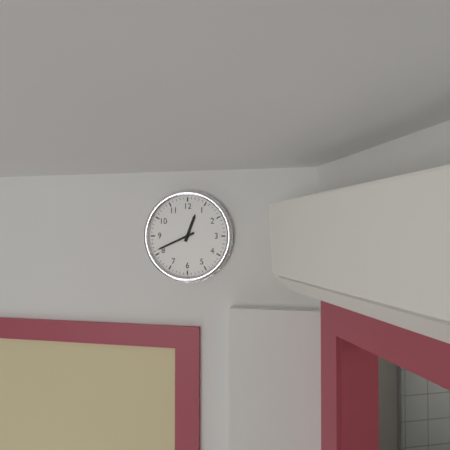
12:41
